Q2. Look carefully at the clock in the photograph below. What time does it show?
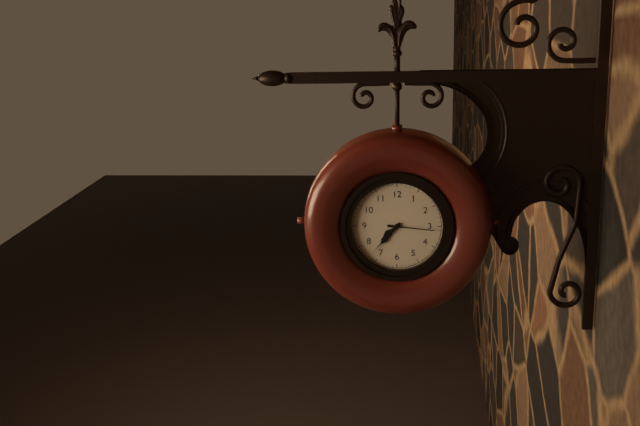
7:37
